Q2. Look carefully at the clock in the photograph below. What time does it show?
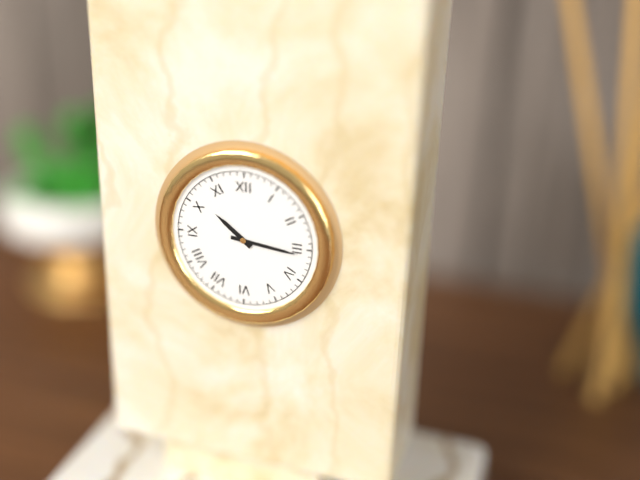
10:16
